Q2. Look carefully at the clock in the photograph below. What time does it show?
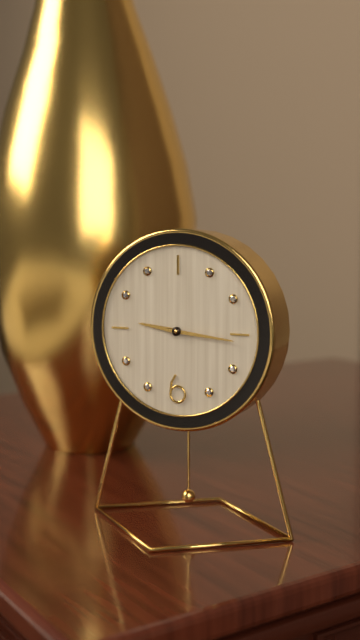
9:16
